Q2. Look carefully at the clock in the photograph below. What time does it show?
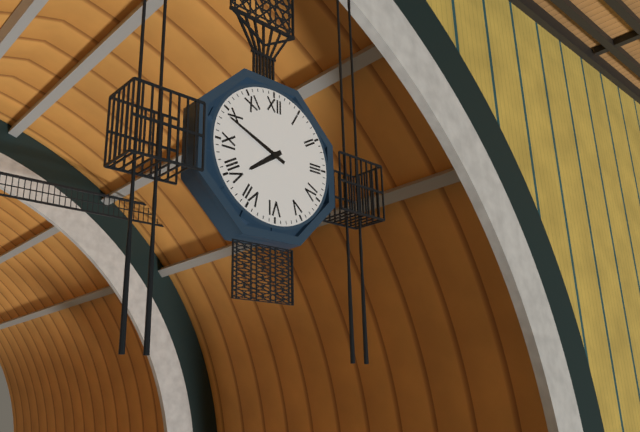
7:49
